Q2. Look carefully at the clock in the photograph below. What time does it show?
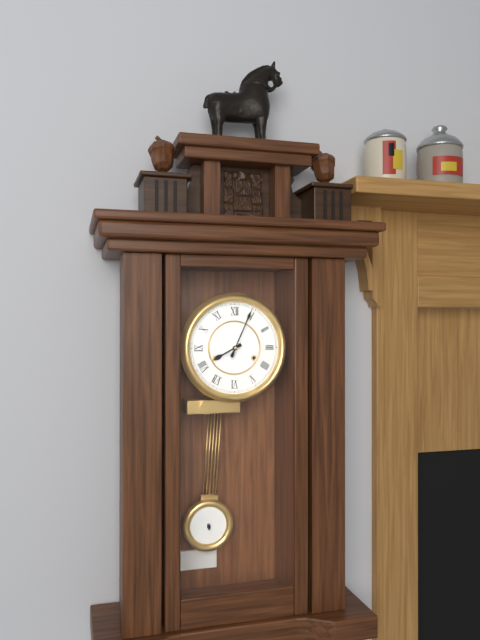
8:04
